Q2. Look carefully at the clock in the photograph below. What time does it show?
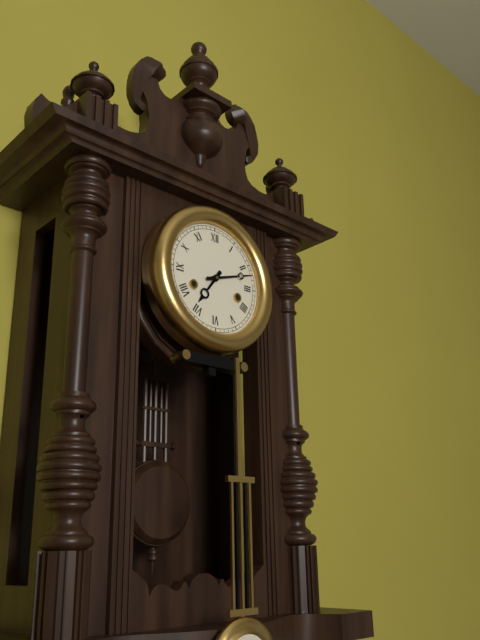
7:12
